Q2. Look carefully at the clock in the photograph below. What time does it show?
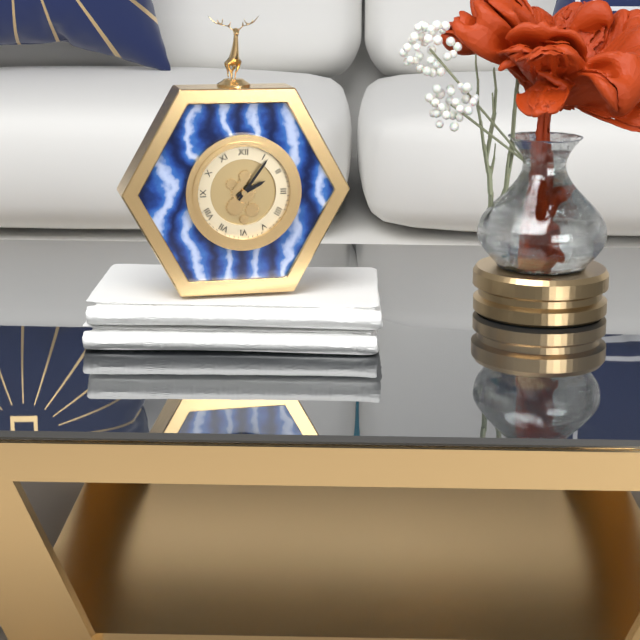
2:06
